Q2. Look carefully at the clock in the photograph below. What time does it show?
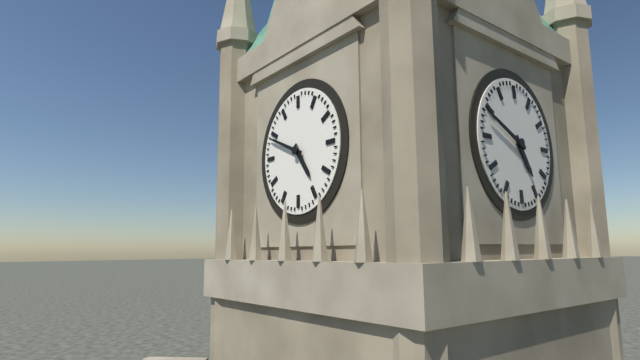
4:49
